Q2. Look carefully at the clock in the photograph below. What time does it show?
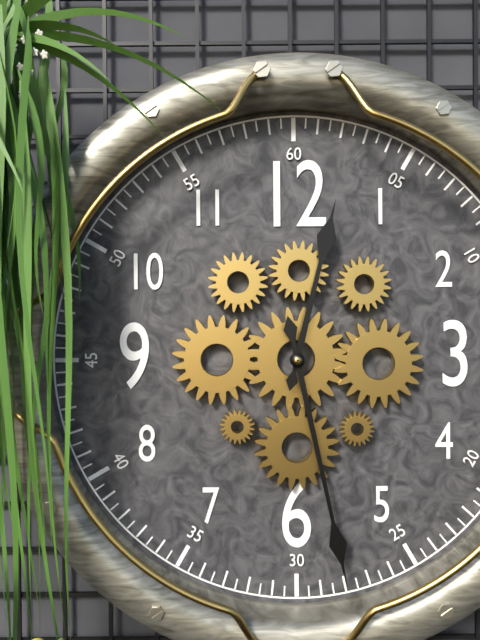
12:28
